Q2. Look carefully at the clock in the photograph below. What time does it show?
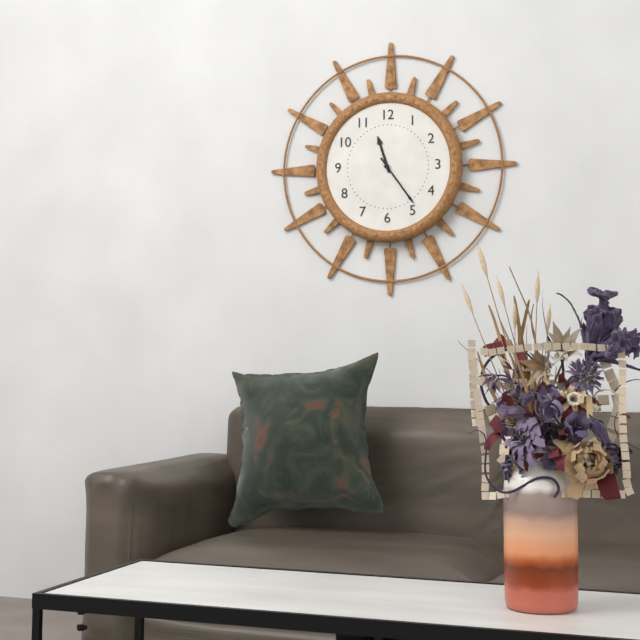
11:24
